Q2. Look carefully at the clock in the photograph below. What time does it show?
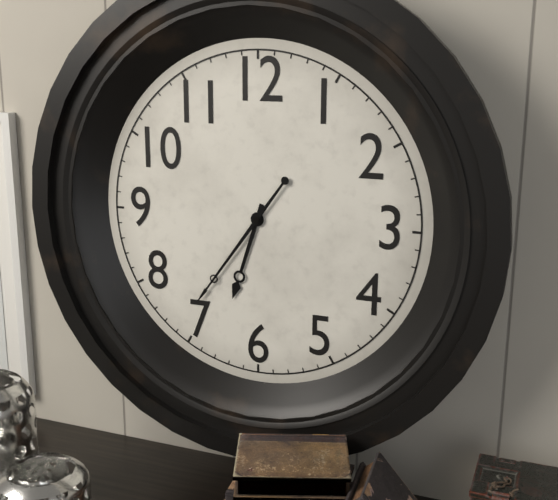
6:36
